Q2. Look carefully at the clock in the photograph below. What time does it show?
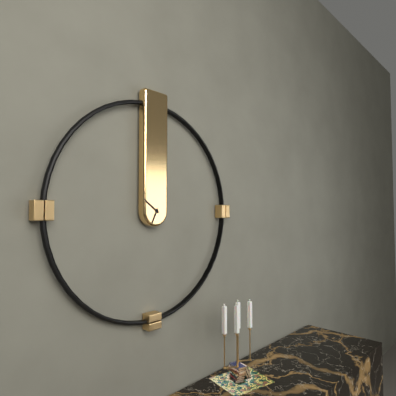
6:51
